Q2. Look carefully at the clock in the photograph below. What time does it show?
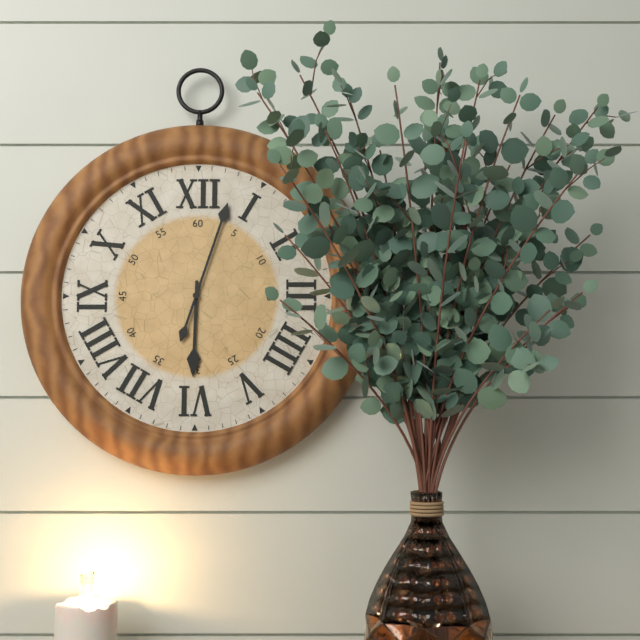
6:03
